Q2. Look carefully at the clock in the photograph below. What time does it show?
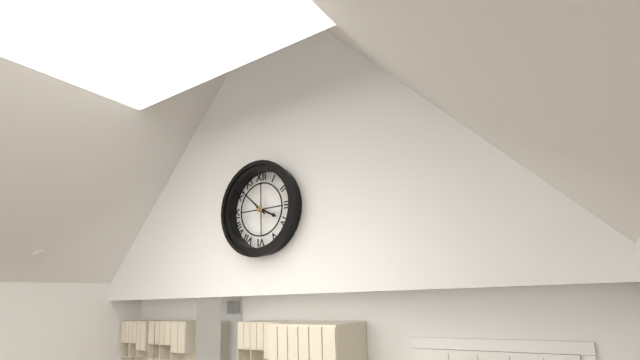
3:52
